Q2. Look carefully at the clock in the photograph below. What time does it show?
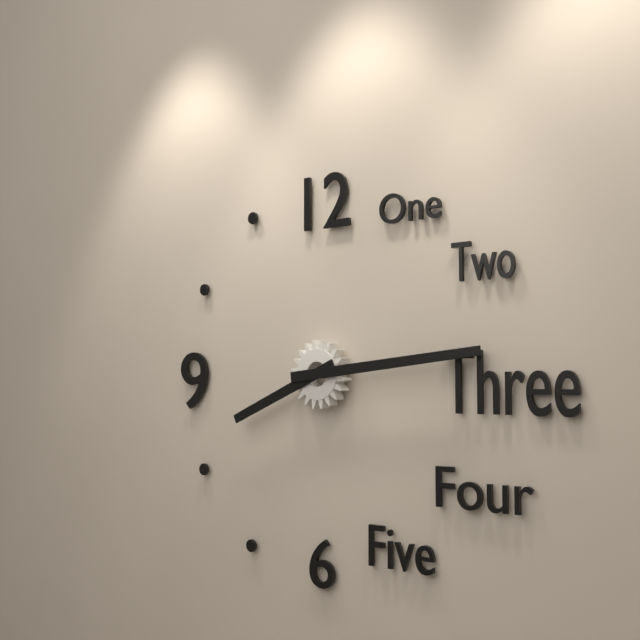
8:14
